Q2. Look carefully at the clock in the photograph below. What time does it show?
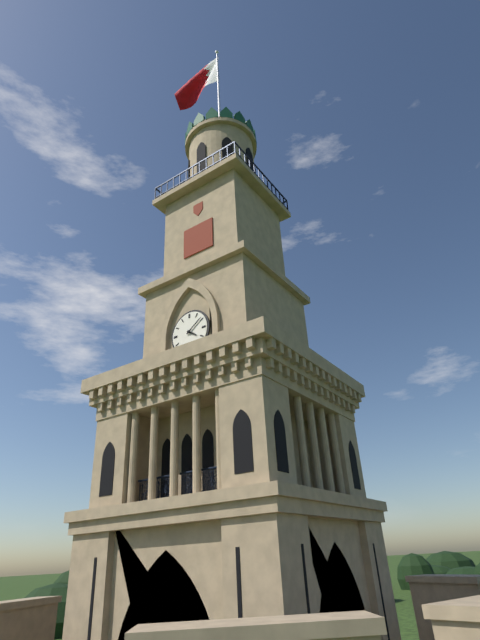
4:09
